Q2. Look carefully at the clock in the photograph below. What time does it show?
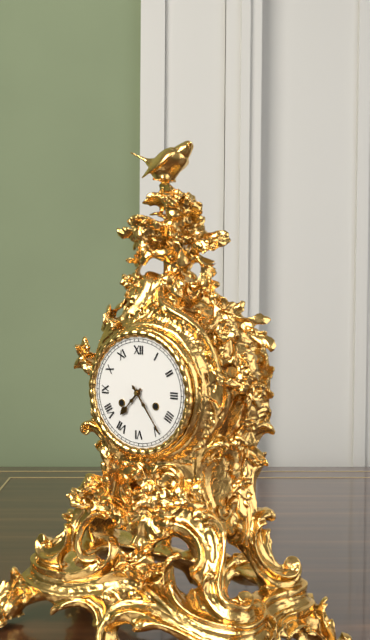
7:24
